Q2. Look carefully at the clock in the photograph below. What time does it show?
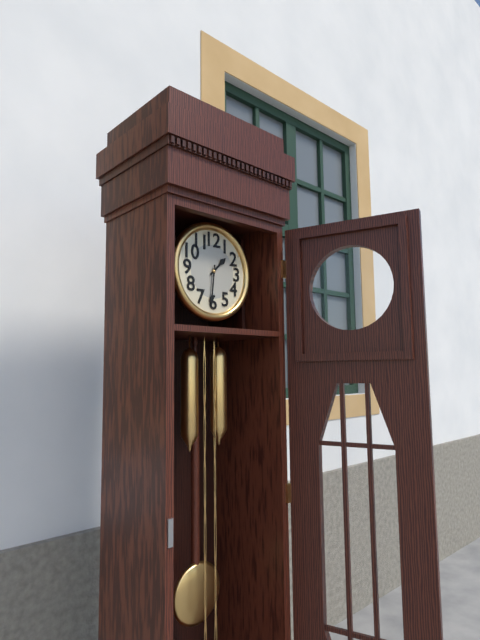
1:31
